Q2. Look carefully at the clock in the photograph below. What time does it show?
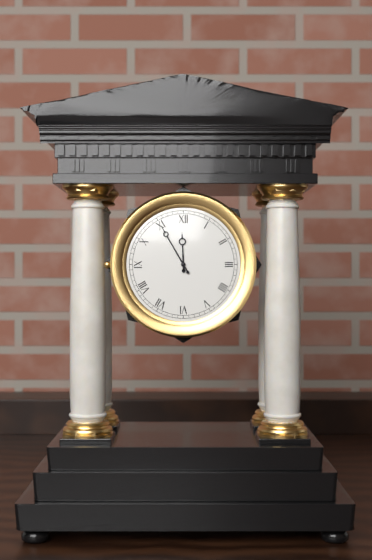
11:55
